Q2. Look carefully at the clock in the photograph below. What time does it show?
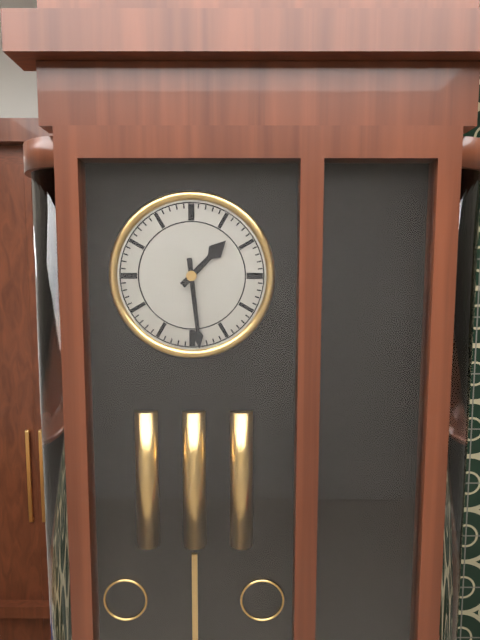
1:29
